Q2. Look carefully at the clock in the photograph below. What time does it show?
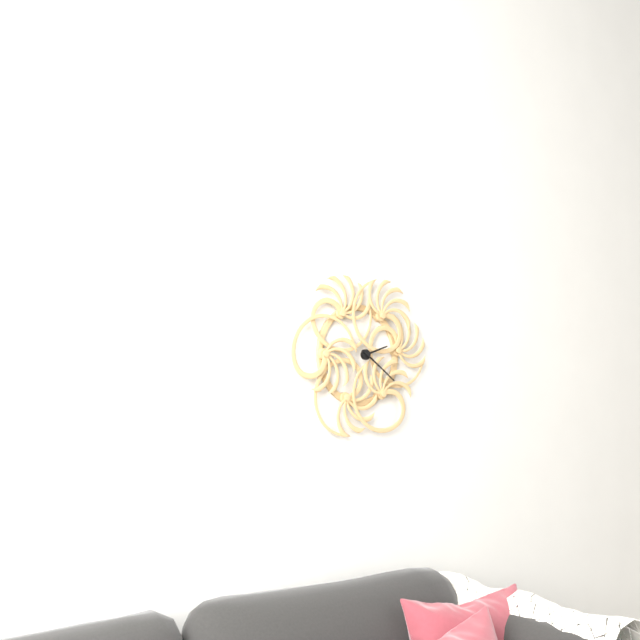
2:21
